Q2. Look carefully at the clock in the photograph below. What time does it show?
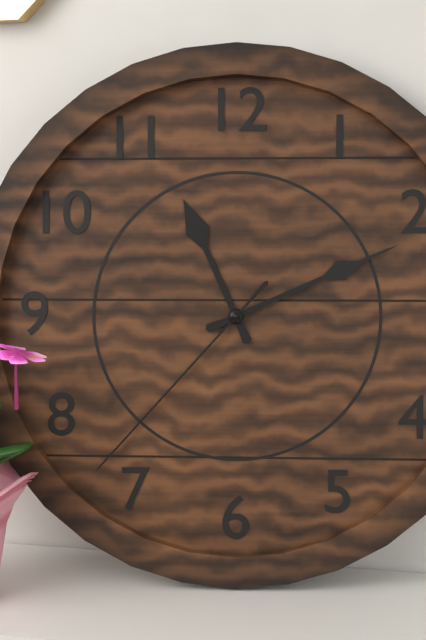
11:11:37
